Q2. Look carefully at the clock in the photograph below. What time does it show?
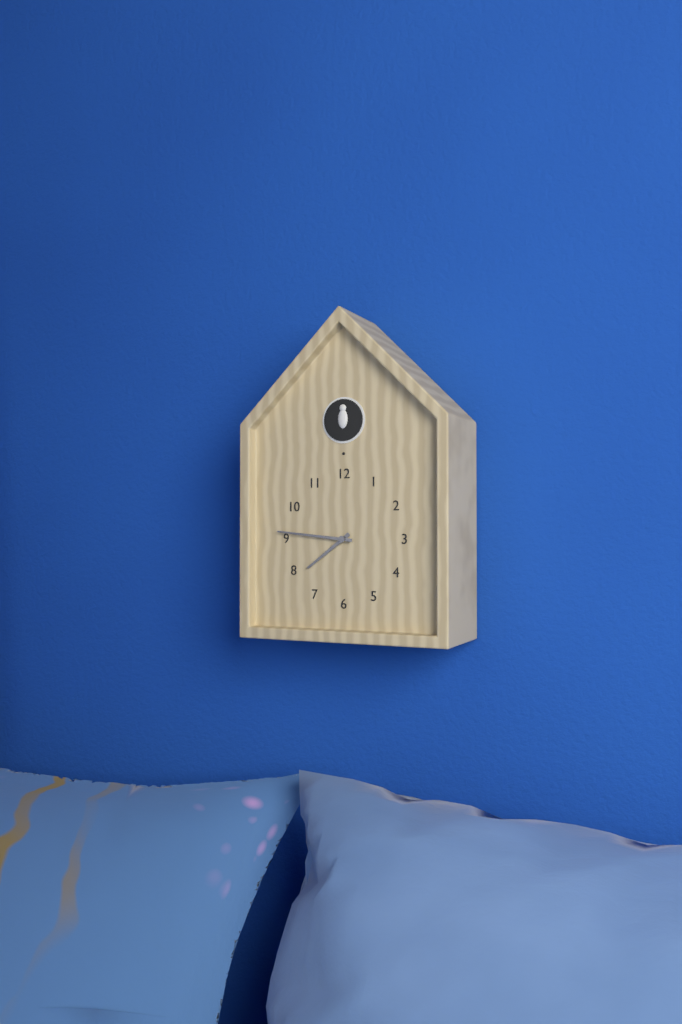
7:46
